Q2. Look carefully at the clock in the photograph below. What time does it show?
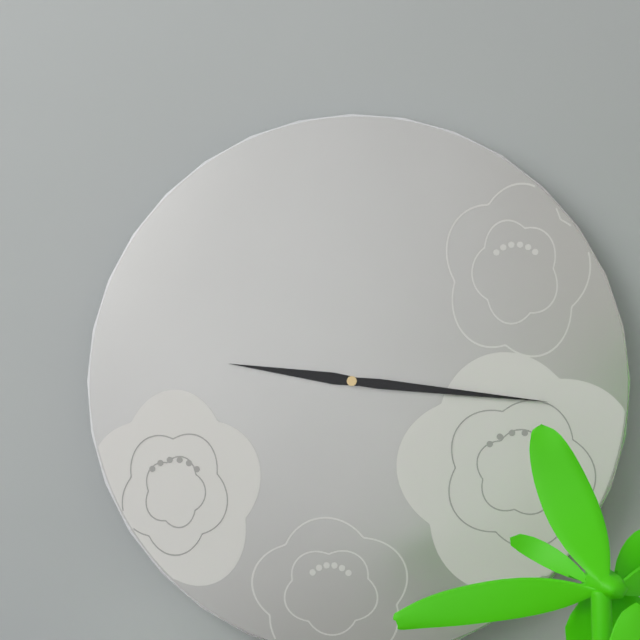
9:16
